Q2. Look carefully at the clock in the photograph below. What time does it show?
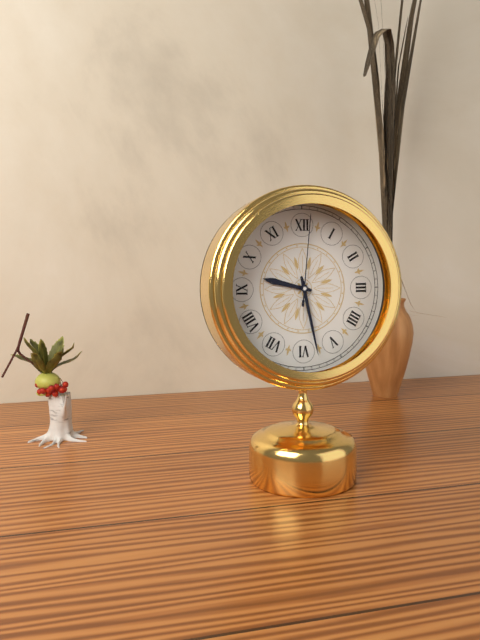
9:28:01
